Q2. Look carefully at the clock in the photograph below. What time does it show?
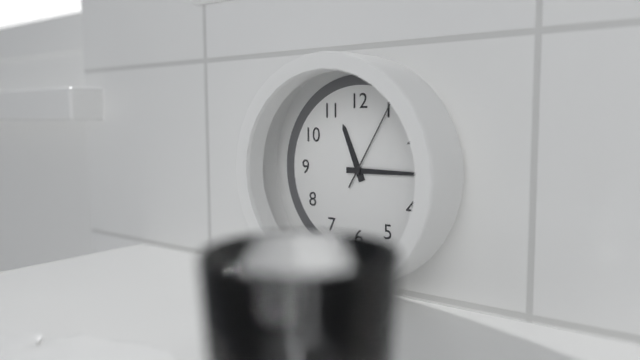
11:15:05
